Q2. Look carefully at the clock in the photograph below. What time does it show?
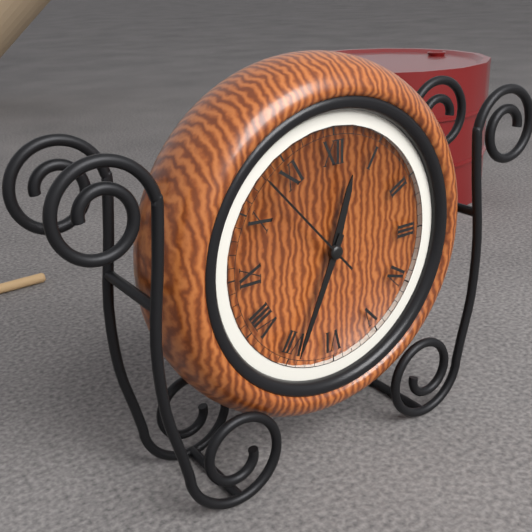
12:34:53
